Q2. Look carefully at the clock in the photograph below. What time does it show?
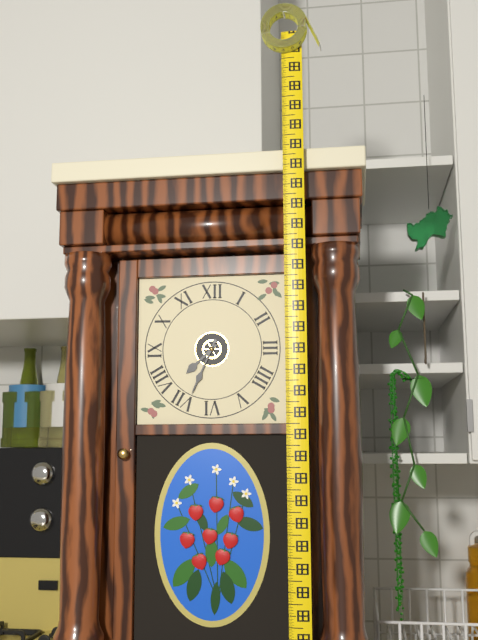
7:34
